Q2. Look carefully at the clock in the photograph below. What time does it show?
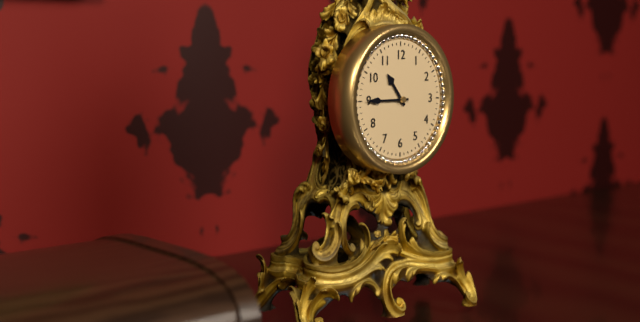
10:45
